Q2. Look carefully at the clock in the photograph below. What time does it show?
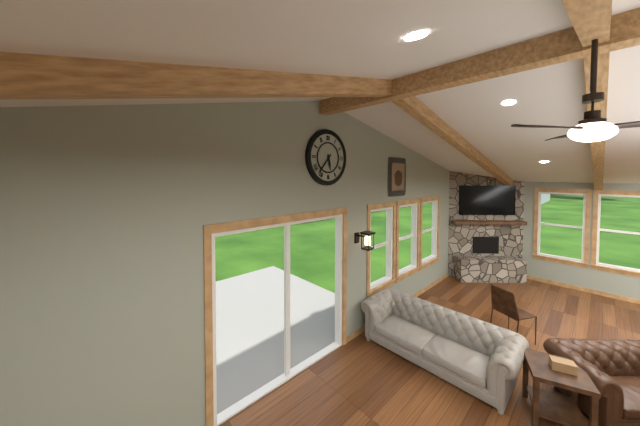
5:37
